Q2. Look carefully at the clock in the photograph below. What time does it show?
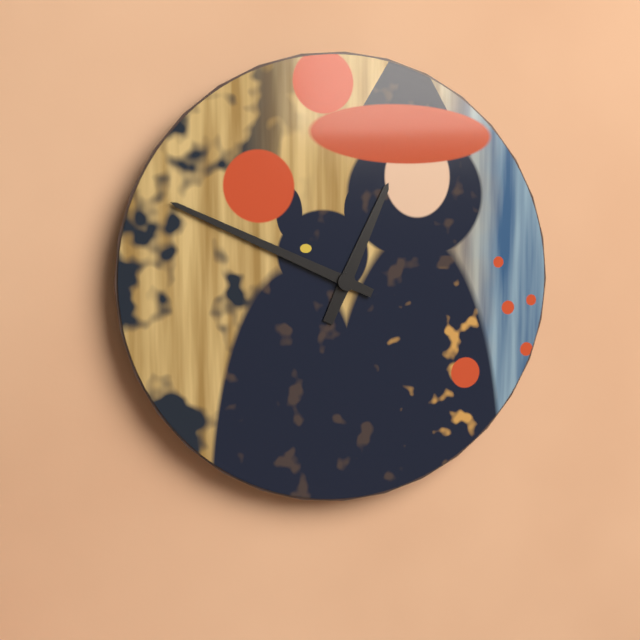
12:49
